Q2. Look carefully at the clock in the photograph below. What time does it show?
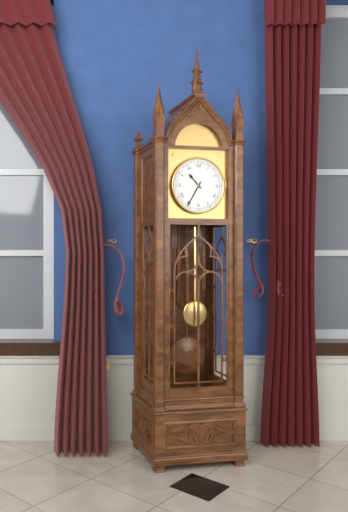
10:35
